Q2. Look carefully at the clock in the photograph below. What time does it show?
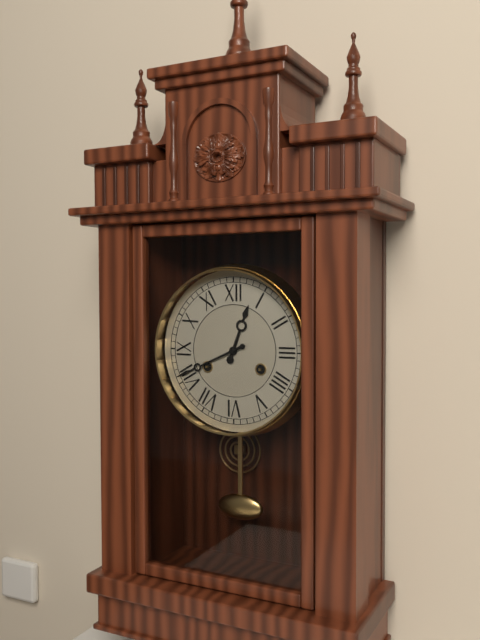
12:41
